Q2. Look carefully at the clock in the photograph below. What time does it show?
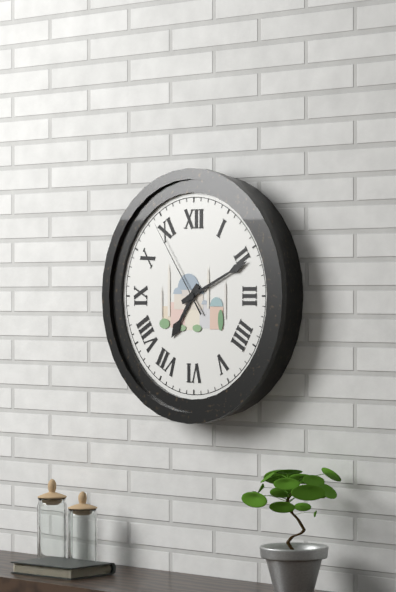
7:11:54
